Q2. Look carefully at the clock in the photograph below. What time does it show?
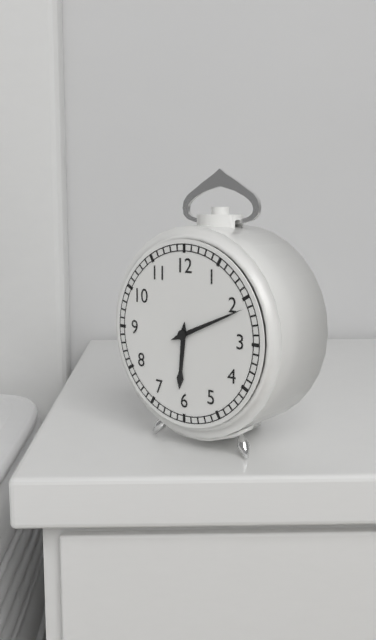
6:11
